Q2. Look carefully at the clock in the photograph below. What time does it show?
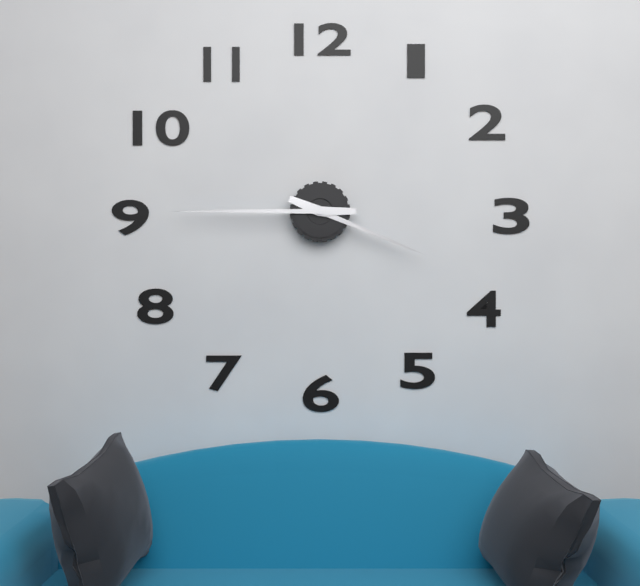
3:45
